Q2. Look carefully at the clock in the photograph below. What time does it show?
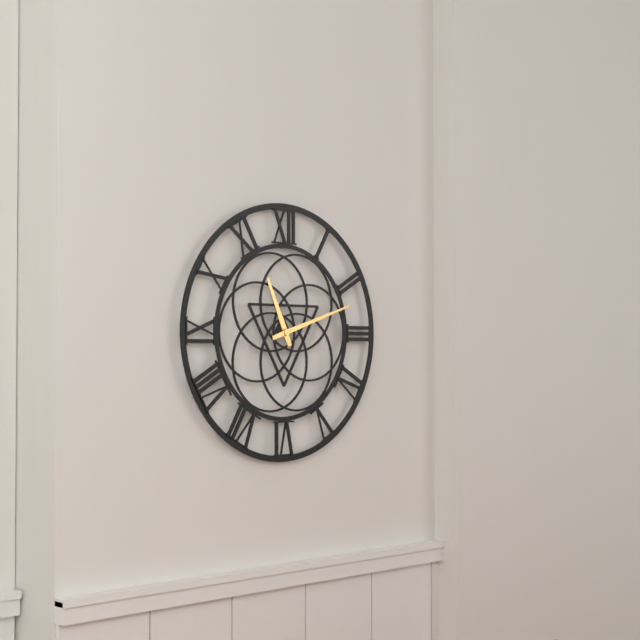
11:12
